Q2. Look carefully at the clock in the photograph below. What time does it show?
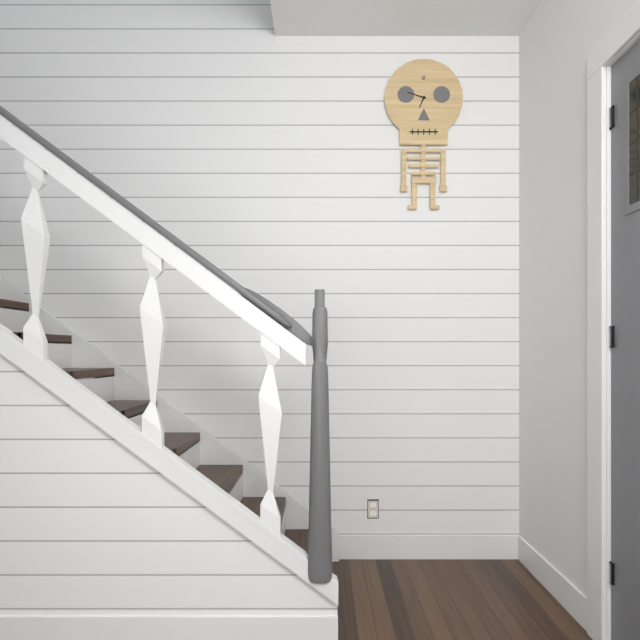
6:48
